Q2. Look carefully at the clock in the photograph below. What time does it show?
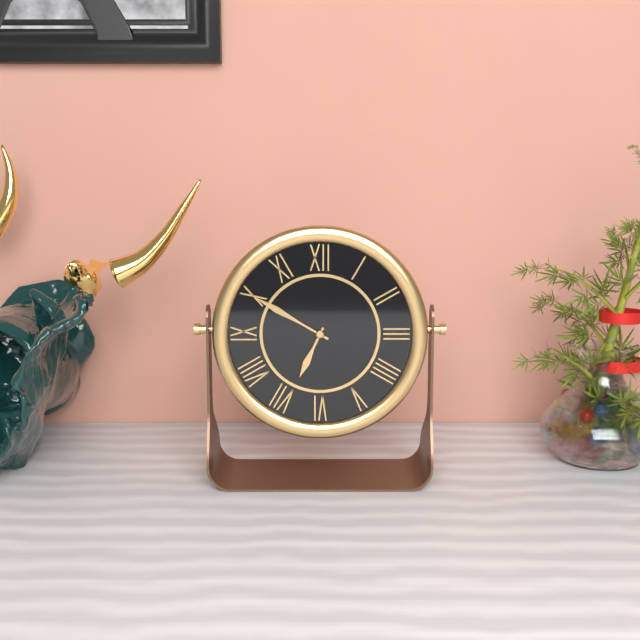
6:50
